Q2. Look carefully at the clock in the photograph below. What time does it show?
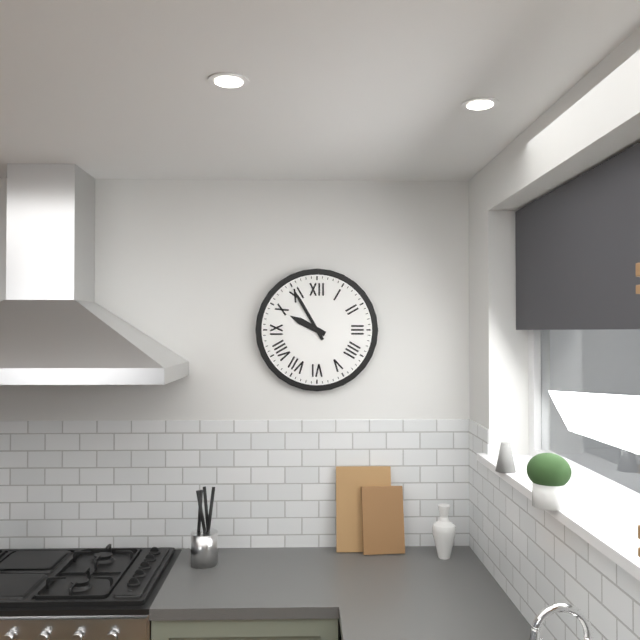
9:55
